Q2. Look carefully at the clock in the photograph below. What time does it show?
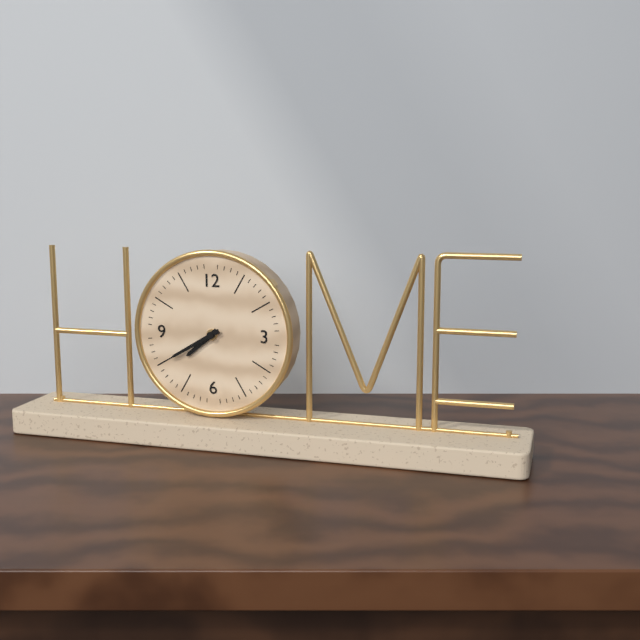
7:40
